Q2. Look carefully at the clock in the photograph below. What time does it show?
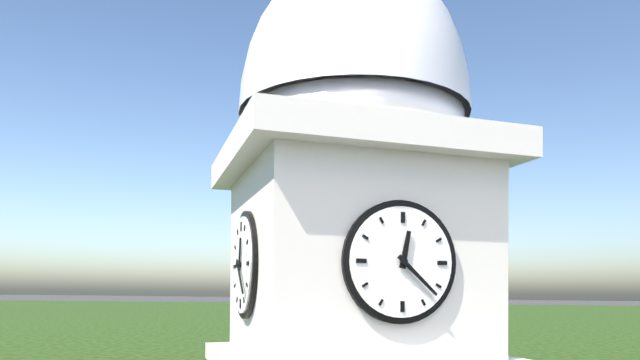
12:22
